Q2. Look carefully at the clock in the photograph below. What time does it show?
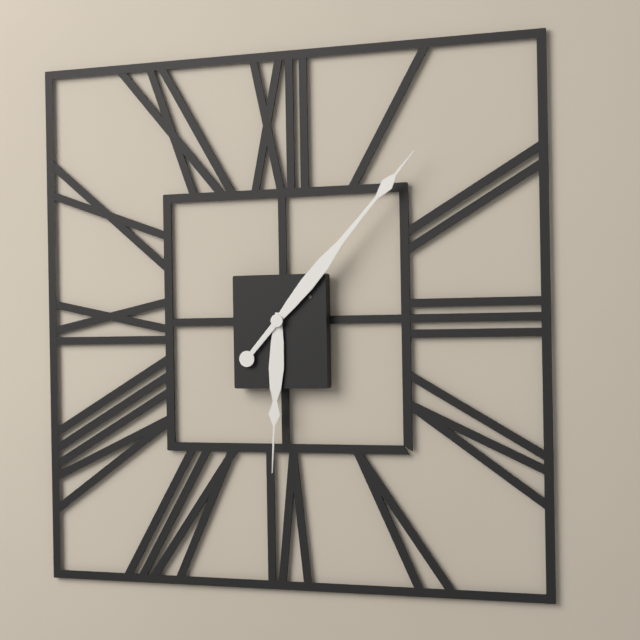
6:07
